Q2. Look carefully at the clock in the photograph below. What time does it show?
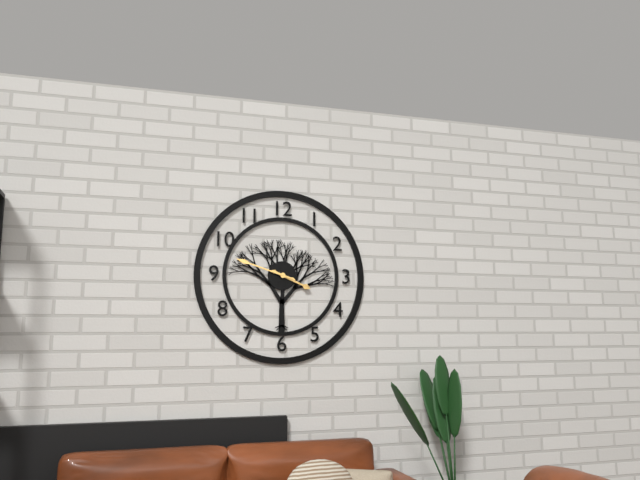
3:48
